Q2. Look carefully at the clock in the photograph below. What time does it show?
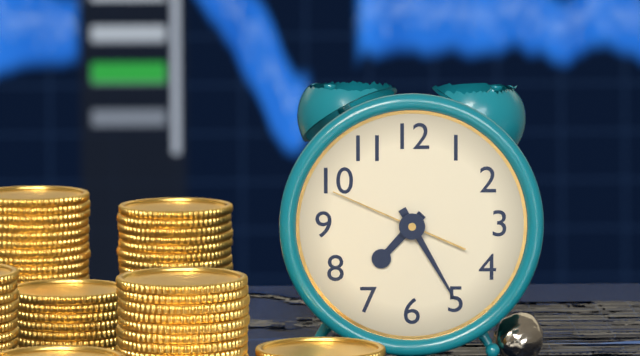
7:25:49
